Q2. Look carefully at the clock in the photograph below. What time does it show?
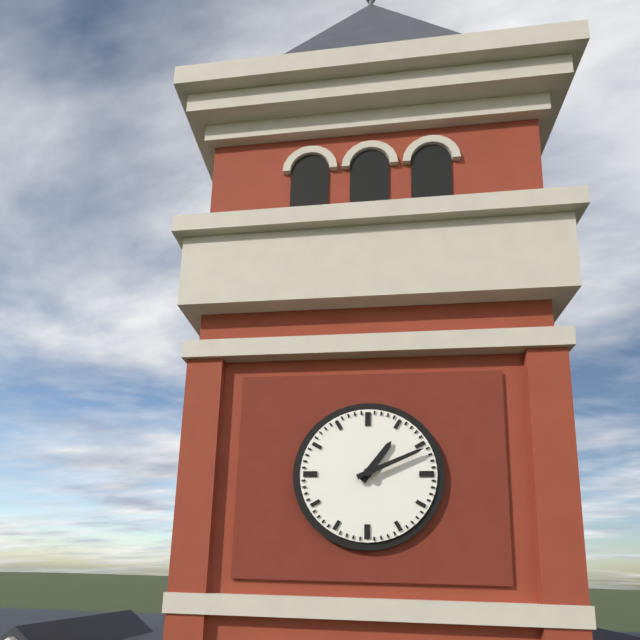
1:11
